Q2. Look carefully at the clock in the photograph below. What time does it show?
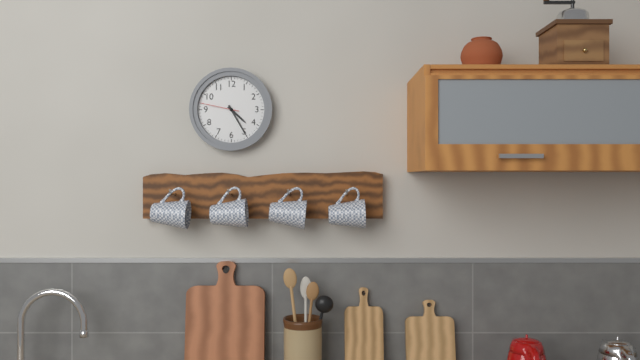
4:25
